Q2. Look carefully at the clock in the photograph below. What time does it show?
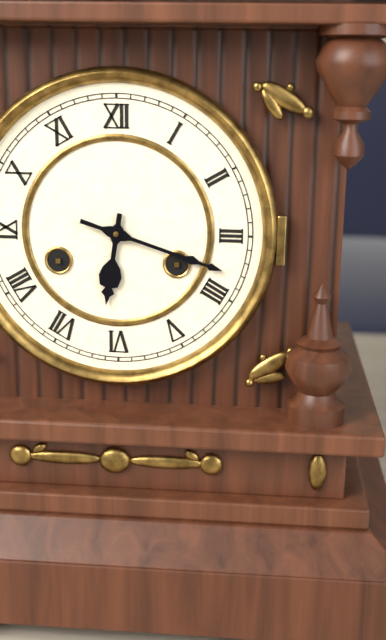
6:18
